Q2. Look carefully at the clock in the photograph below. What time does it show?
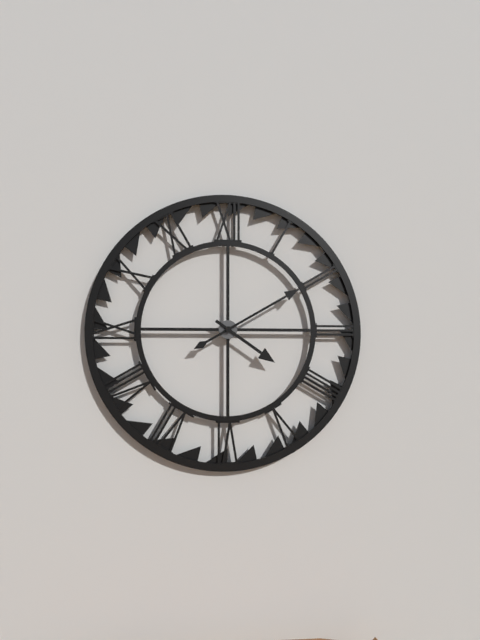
4:10
